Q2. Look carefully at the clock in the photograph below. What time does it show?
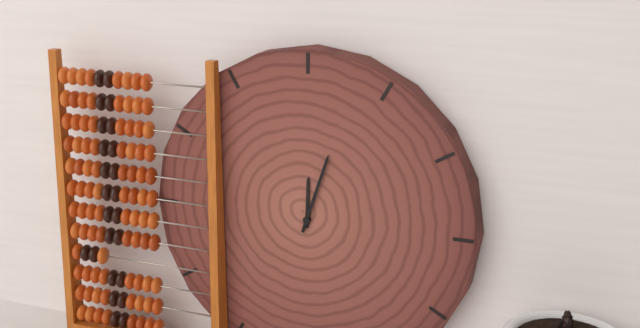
12:03
